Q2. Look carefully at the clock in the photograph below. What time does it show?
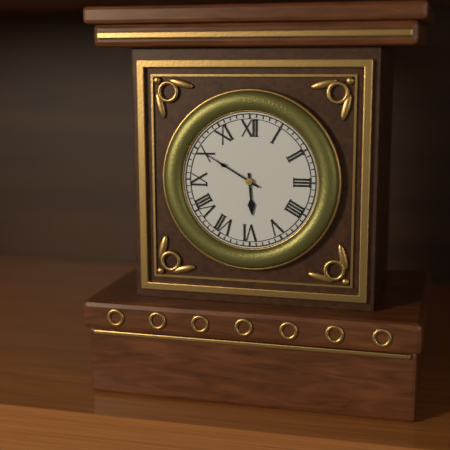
5:50
